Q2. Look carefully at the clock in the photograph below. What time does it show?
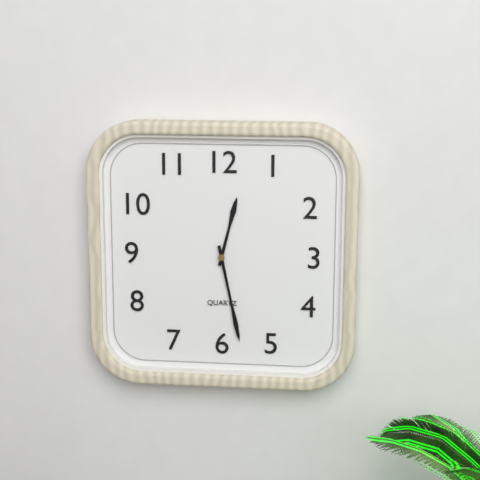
12:28
